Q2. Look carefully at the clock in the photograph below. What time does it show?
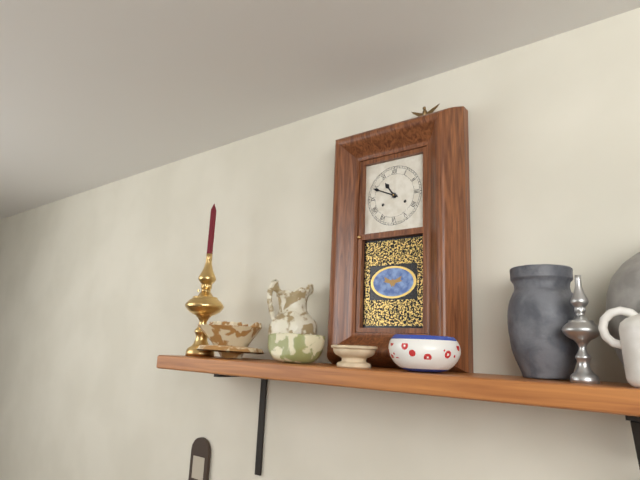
10:49
